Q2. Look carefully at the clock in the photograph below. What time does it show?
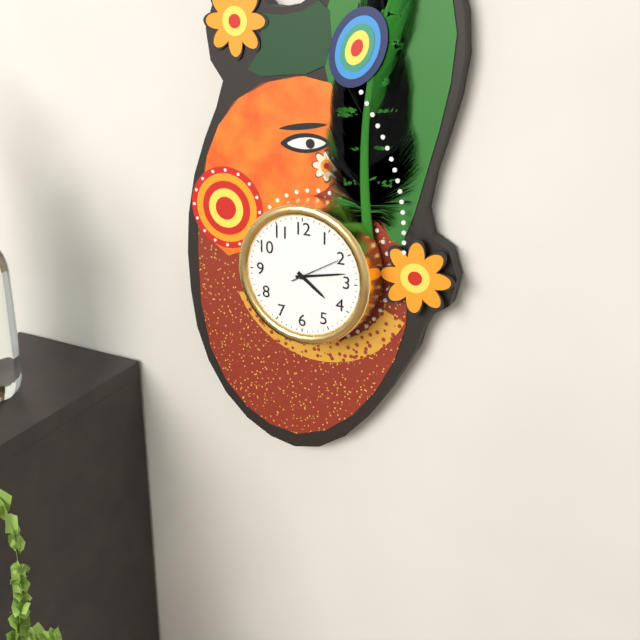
4:13:10
